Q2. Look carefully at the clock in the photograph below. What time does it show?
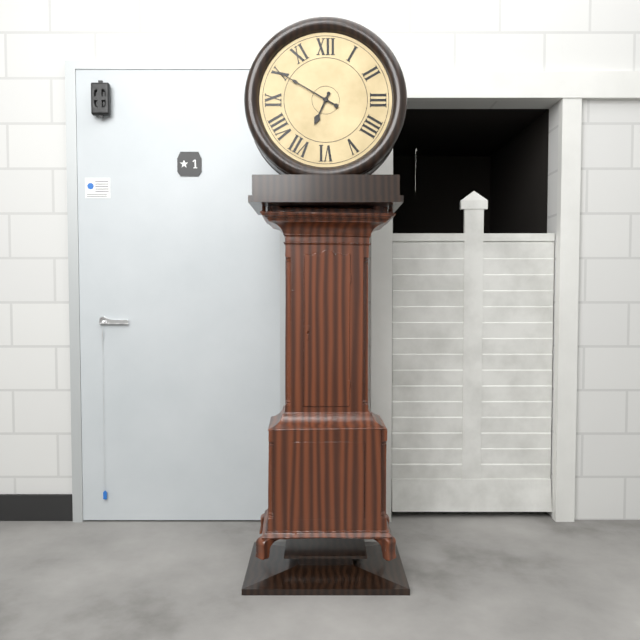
6:50
